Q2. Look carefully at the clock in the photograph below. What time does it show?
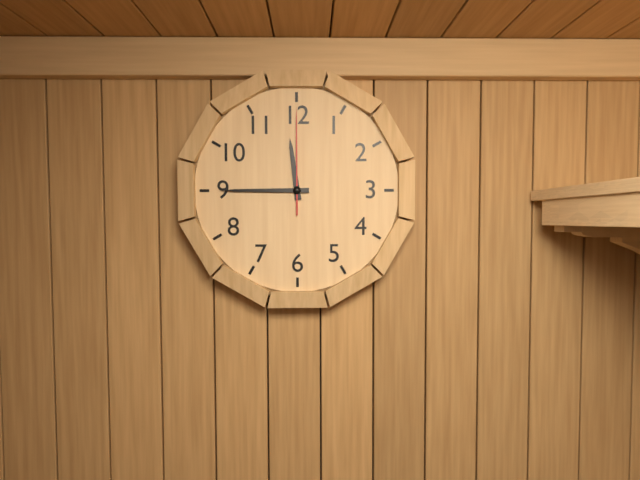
11:45:00
